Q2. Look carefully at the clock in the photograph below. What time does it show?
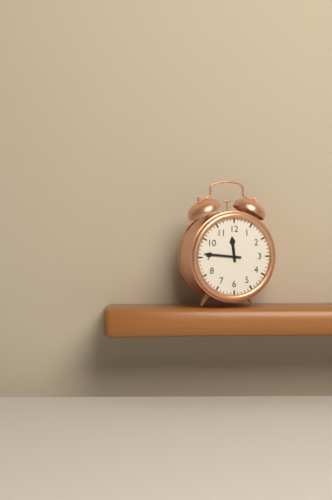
11:46
